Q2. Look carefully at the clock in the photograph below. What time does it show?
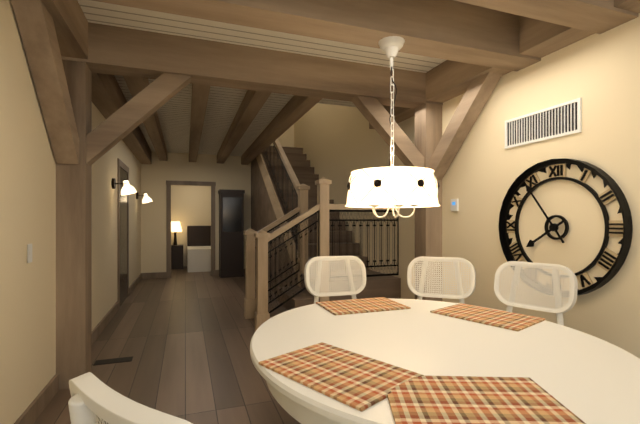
7:54
